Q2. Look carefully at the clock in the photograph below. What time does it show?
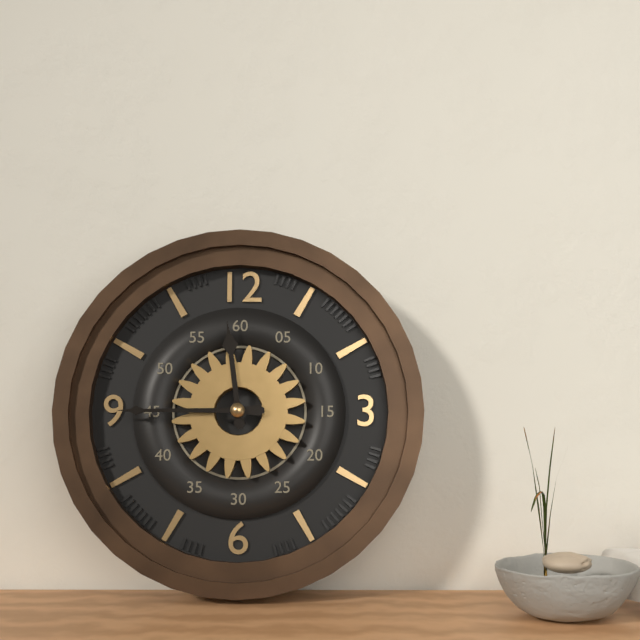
11:45
